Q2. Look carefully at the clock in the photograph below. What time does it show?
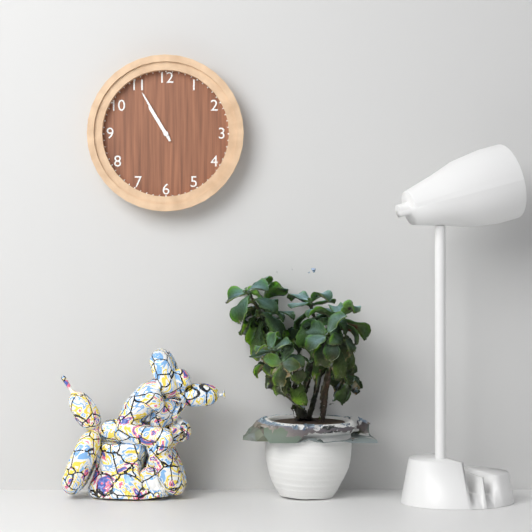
10:55
